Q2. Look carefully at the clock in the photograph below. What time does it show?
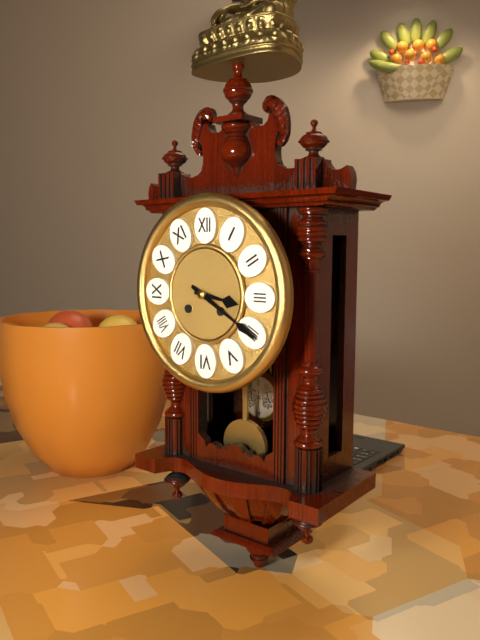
3:20
